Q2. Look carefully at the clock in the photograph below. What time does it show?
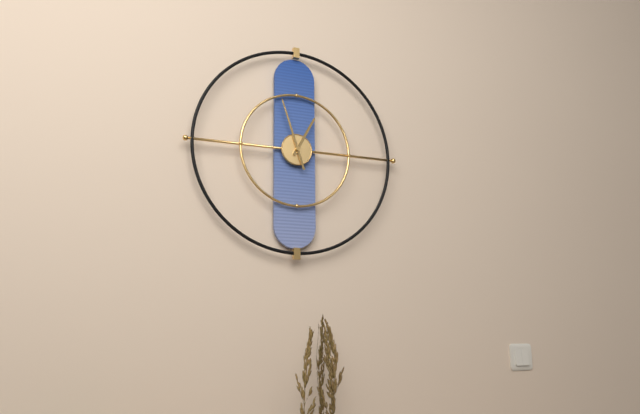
12:57
